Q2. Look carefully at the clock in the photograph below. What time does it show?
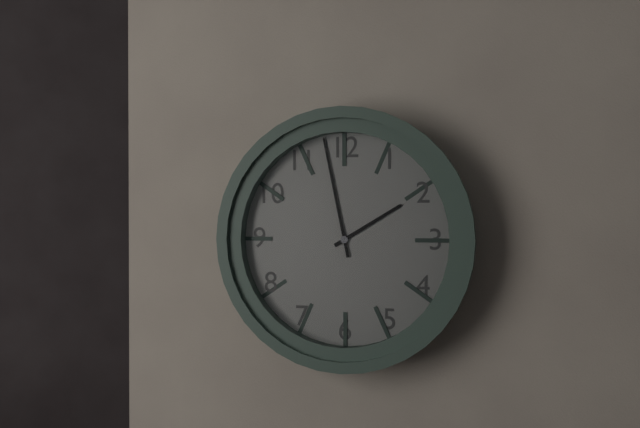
1:58
